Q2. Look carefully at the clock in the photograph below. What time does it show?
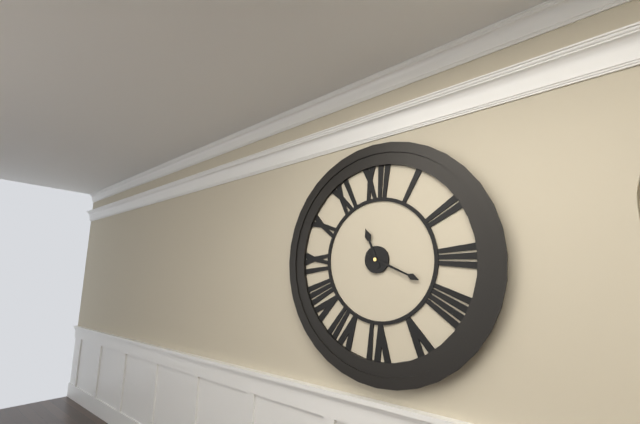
11:19
